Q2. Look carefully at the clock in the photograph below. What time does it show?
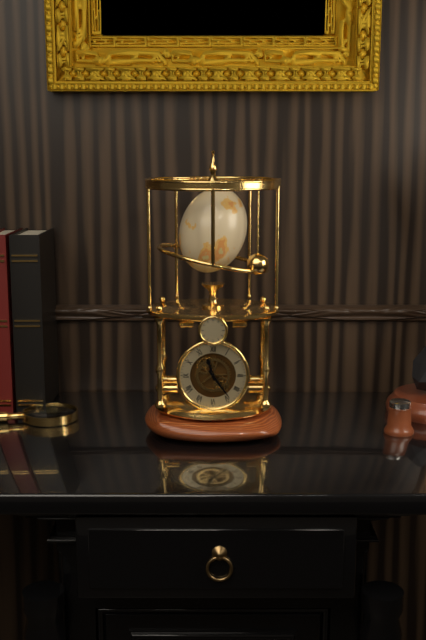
11:24
